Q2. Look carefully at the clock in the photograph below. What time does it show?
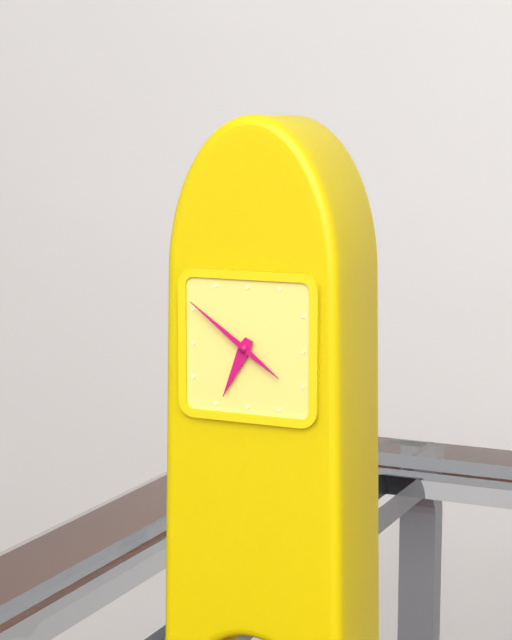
6:51
